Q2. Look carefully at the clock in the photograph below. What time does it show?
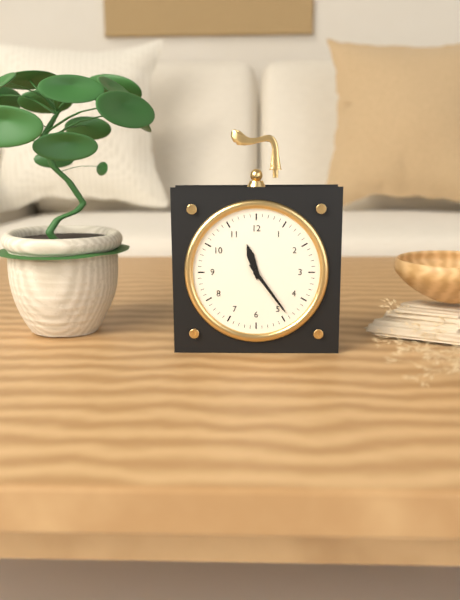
11:24
